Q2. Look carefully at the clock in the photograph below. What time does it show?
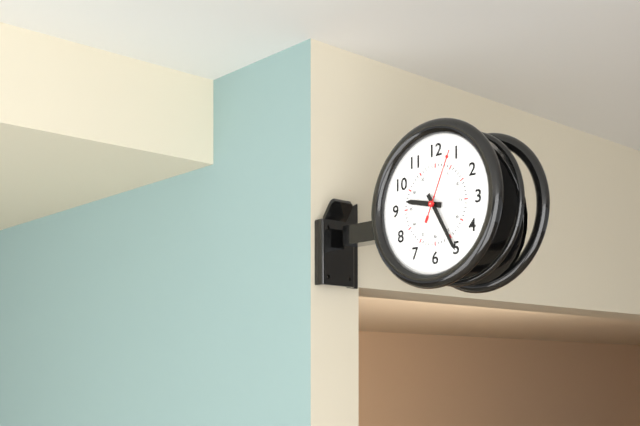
9:25:04
